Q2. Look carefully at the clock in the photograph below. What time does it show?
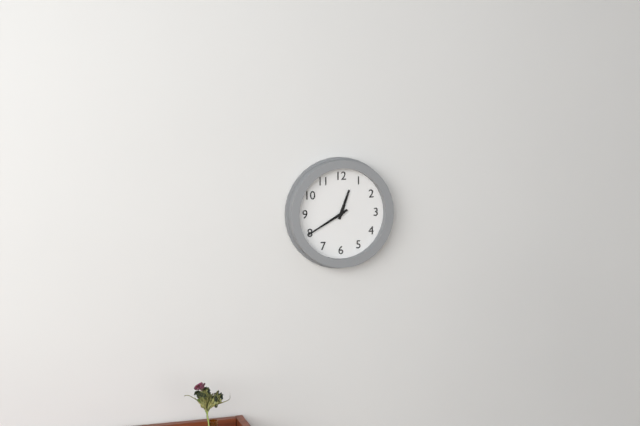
12:40
